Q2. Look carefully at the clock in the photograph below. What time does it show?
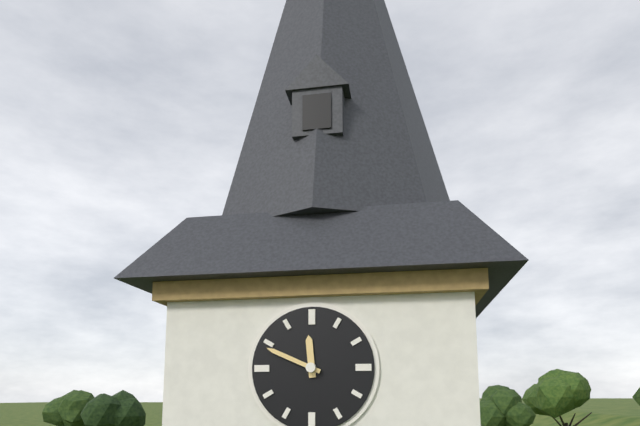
11:49
